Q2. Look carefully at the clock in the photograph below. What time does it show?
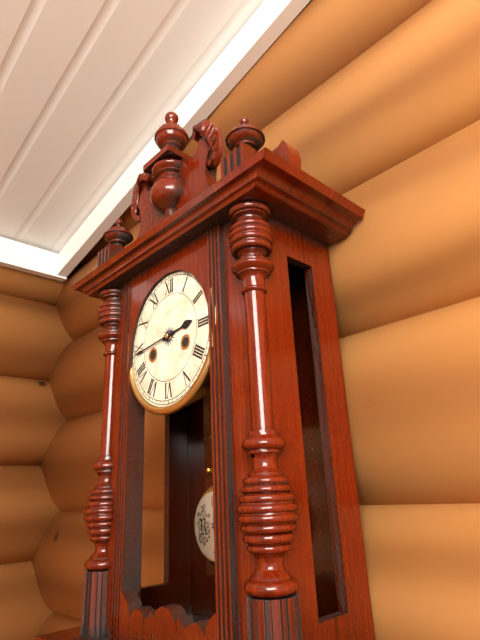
2:44
